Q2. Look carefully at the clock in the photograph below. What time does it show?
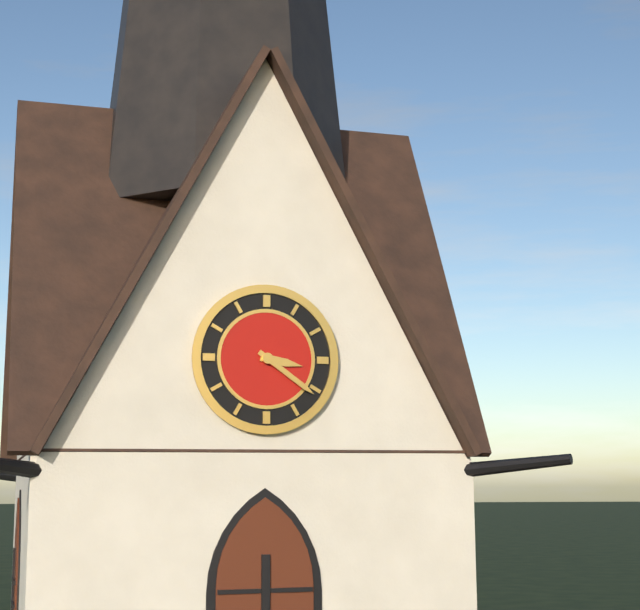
3:21
